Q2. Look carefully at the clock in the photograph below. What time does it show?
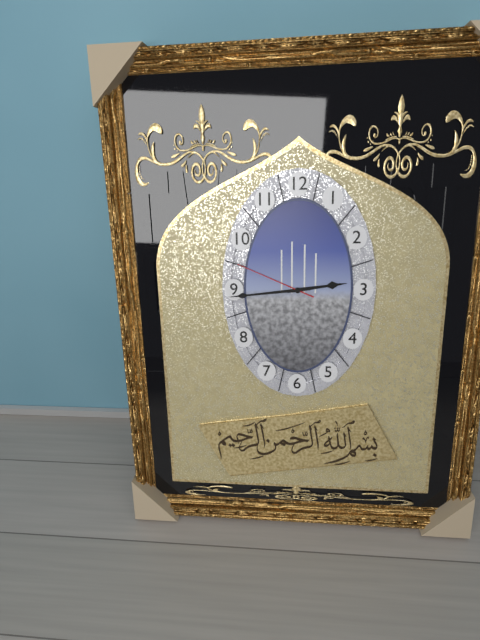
2:44:49
